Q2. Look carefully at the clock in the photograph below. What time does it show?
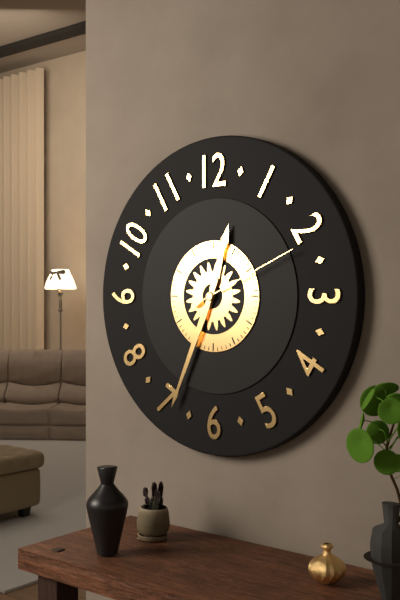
12:34:11
